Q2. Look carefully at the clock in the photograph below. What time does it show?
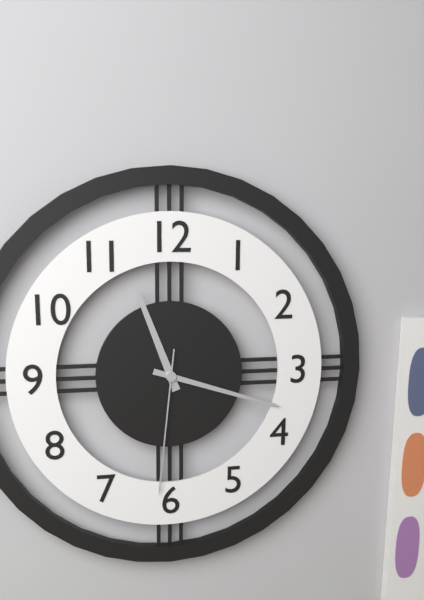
11:18:31
